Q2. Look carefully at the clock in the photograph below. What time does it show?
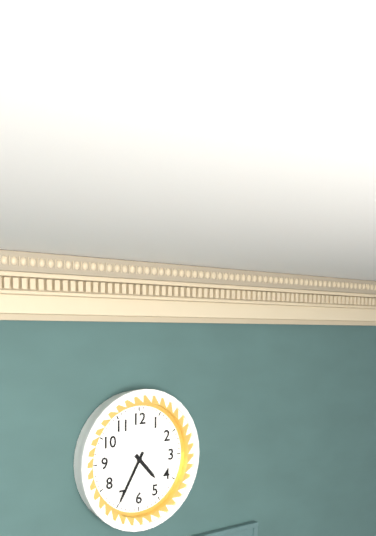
4:35
